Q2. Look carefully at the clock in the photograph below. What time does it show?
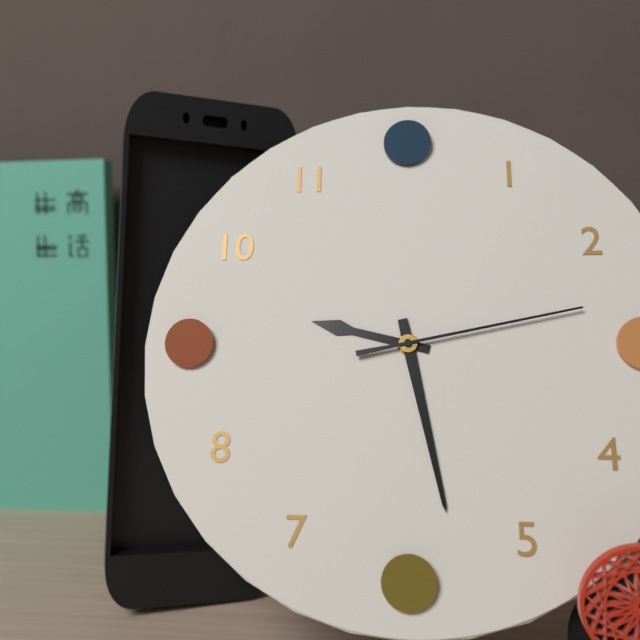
9:28:13
